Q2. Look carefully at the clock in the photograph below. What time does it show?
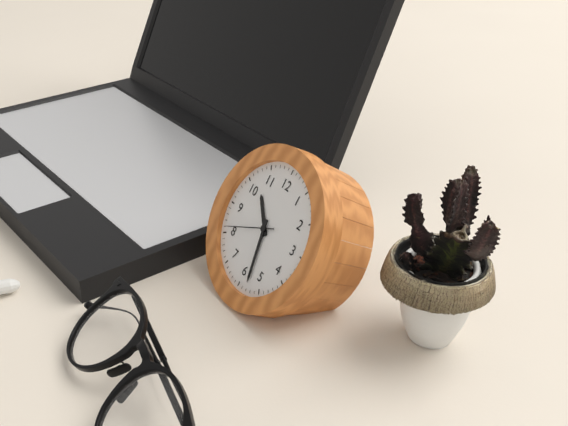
10:28
